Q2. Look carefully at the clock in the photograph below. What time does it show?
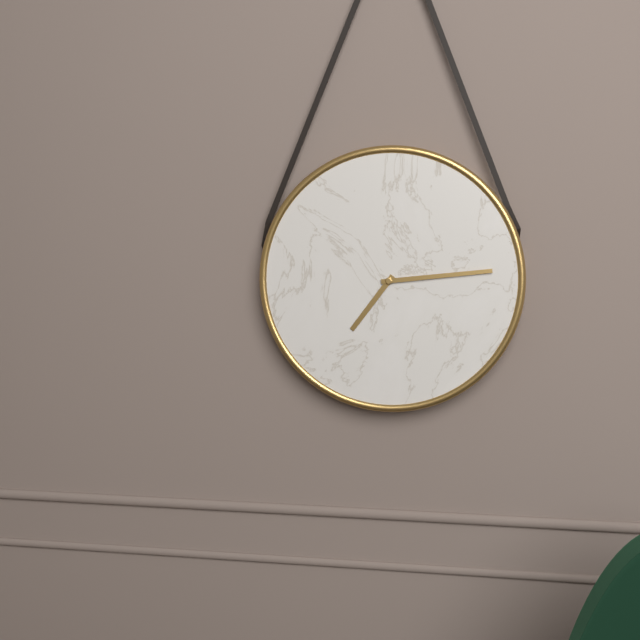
7:14
